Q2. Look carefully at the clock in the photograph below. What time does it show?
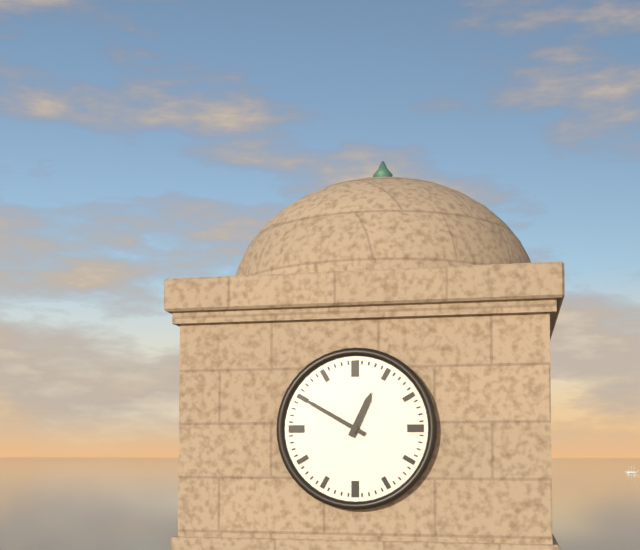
12:50
